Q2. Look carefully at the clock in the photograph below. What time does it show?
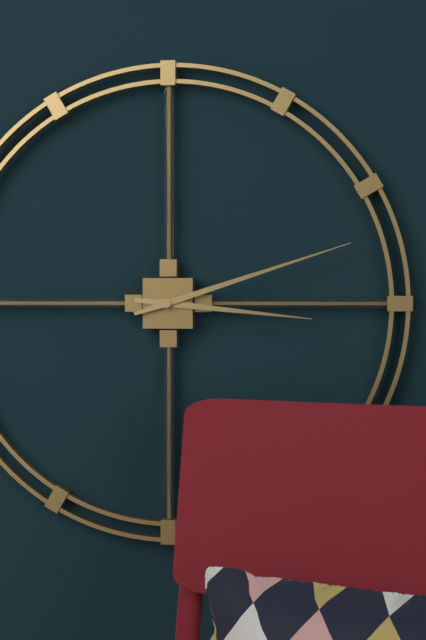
3:12
